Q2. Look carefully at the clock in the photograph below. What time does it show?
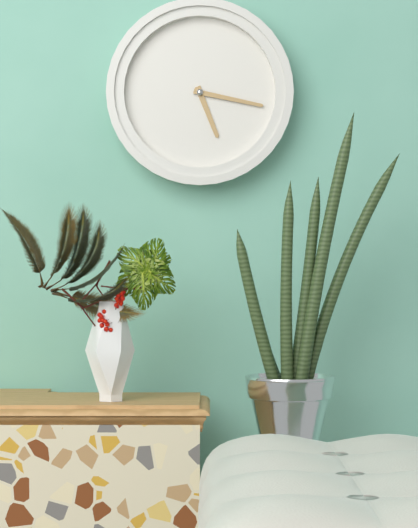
5:17
